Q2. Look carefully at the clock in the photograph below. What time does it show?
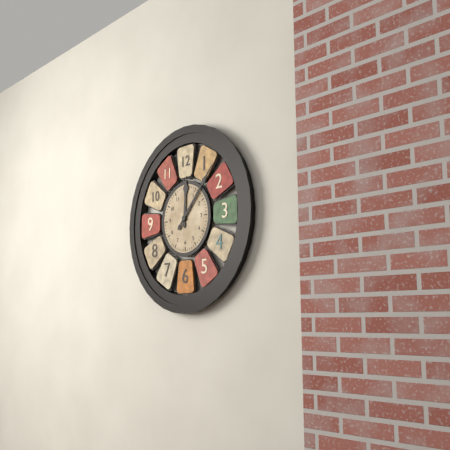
12:07
